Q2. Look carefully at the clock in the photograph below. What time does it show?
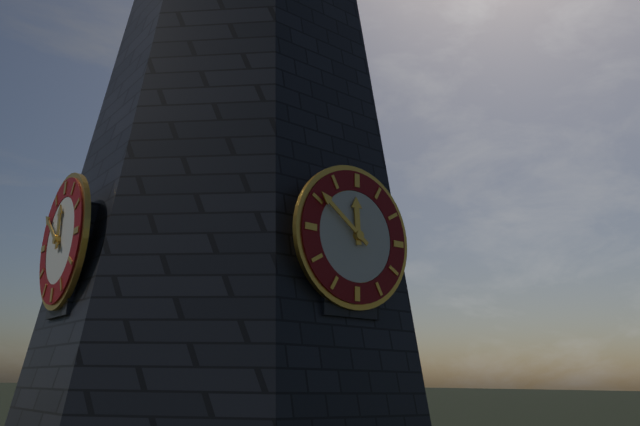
11:51
